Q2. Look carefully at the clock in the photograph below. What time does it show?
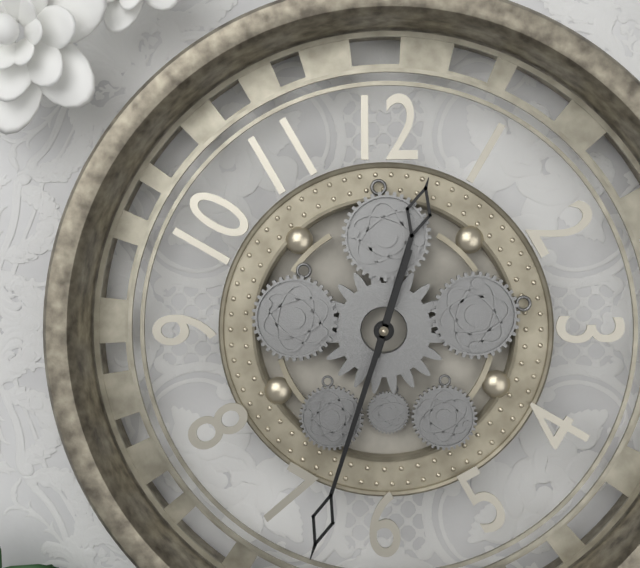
12:33
